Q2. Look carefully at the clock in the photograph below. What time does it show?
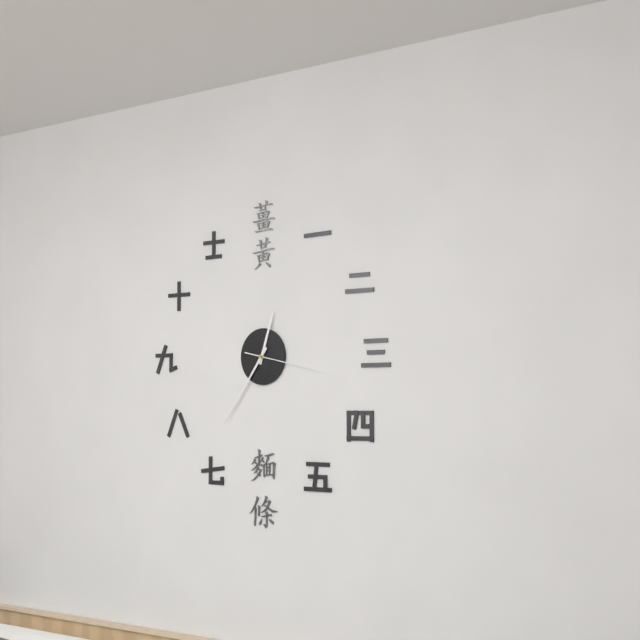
12:36:17
